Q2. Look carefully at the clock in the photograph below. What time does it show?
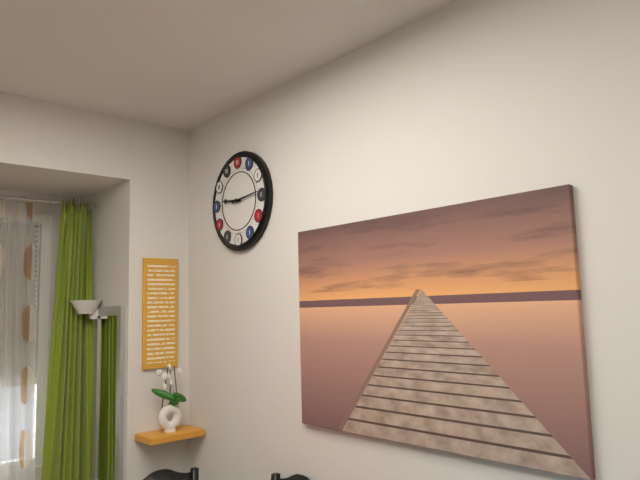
9:14
